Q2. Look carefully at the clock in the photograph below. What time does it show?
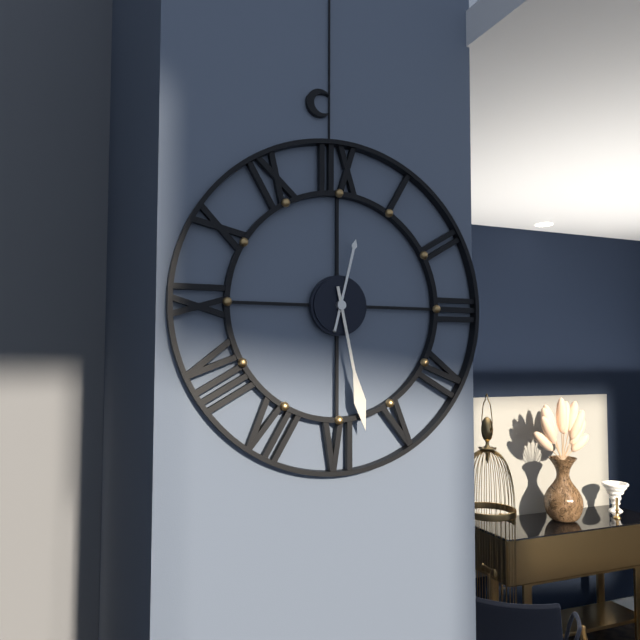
12:28
